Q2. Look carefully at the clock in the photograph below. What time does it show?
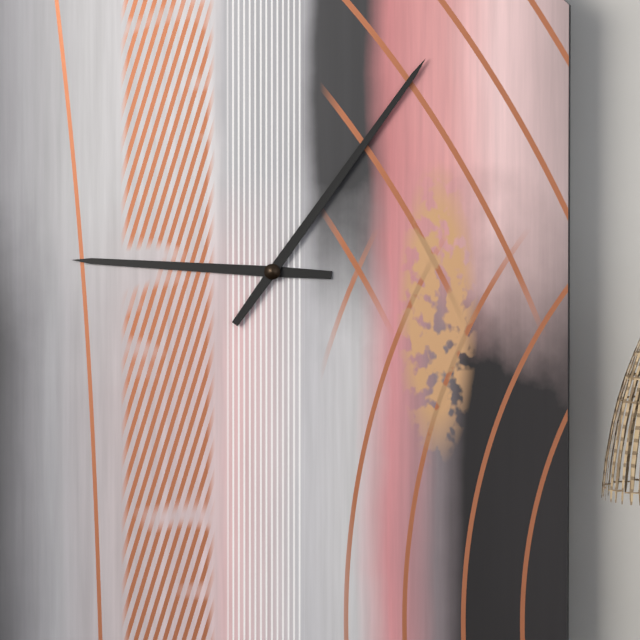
9:06
